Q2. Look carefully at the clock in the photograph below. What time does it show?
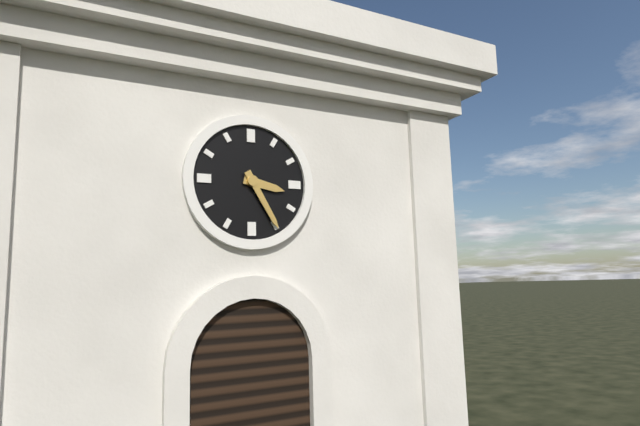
3:25
